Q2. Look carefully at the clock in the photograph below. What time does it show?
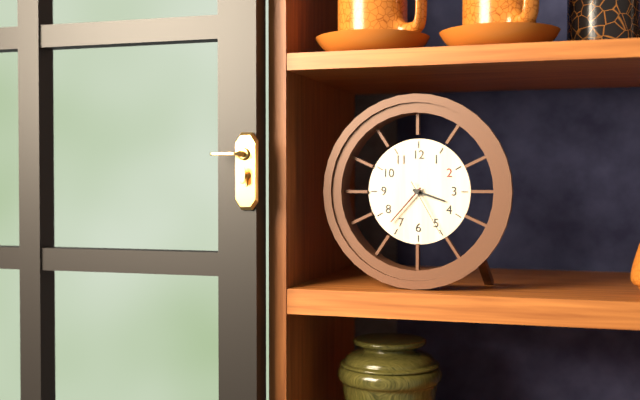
3:37:25
